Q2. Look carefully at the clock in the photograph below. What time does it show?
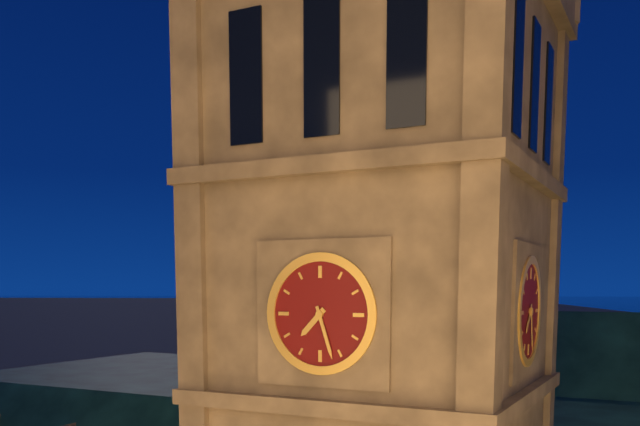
7:27
